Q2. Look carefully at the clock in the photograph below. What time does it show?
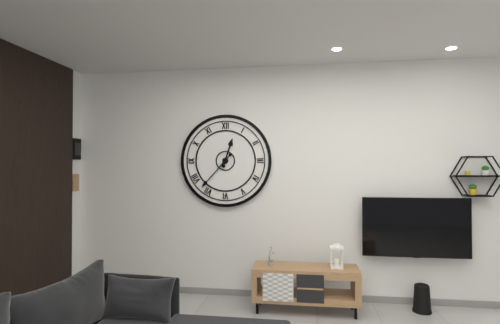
12:37
